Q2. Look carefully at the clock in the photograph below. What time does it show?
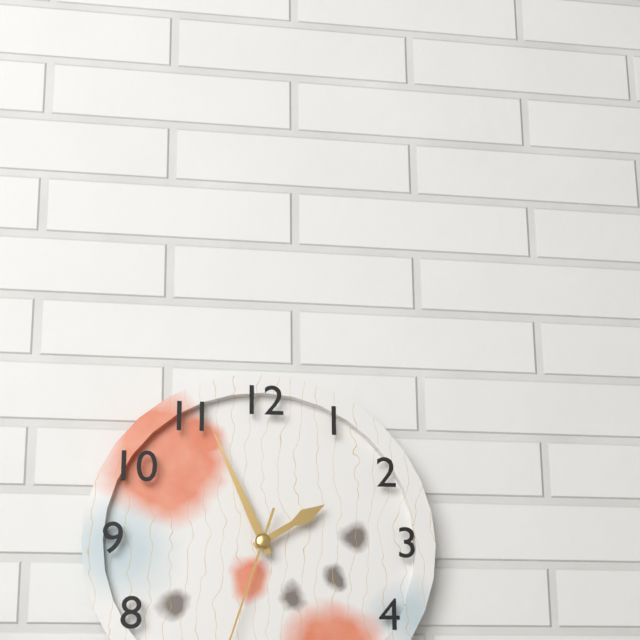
1:56
